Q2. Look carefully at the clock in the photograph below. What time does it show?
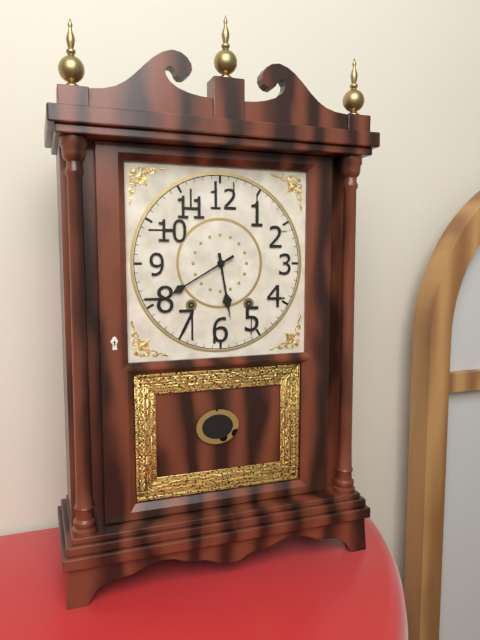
5:40
